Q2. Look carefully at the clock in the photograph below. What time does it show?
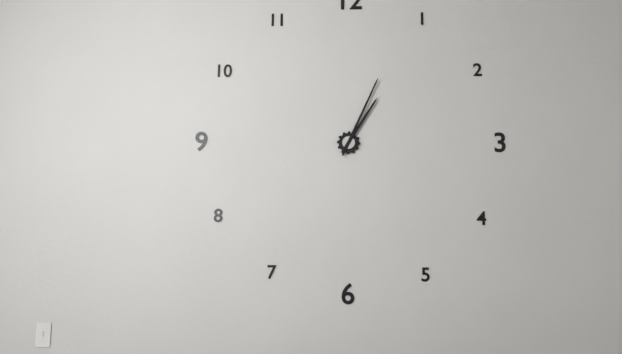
1:04
